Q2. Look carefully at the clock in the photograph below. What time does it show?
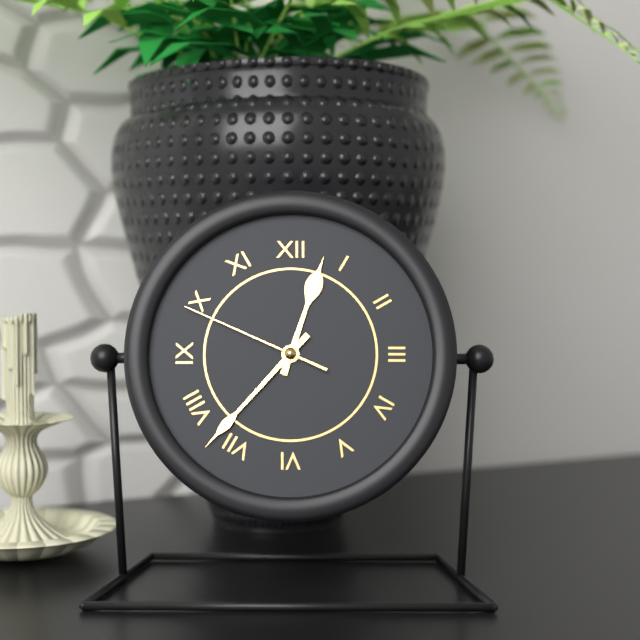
12:37:49
